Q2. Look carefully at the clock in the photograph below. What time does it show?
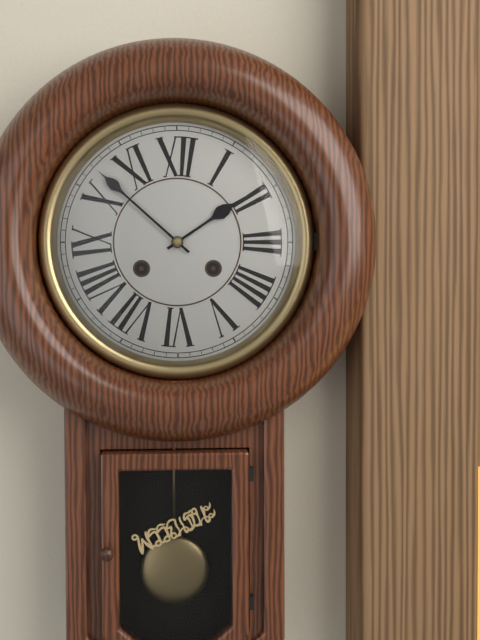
1:52
